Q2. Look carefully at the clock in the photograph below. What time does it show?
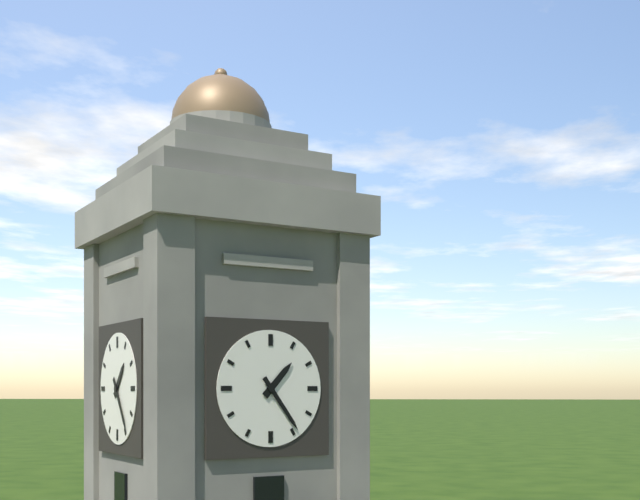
1:24
